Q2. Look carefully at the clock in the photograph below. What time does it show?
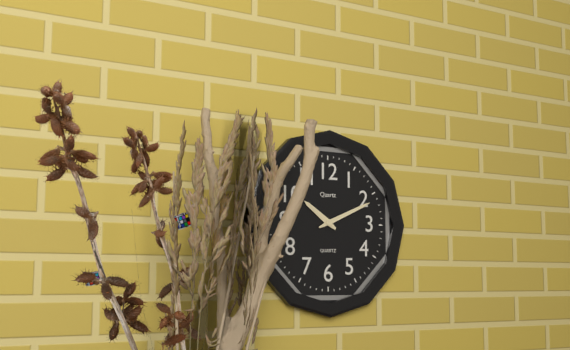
10:11
